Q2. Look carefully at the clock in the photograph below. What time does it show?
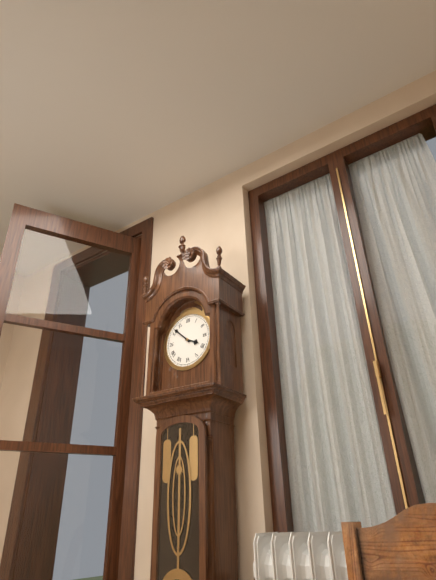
3:52
